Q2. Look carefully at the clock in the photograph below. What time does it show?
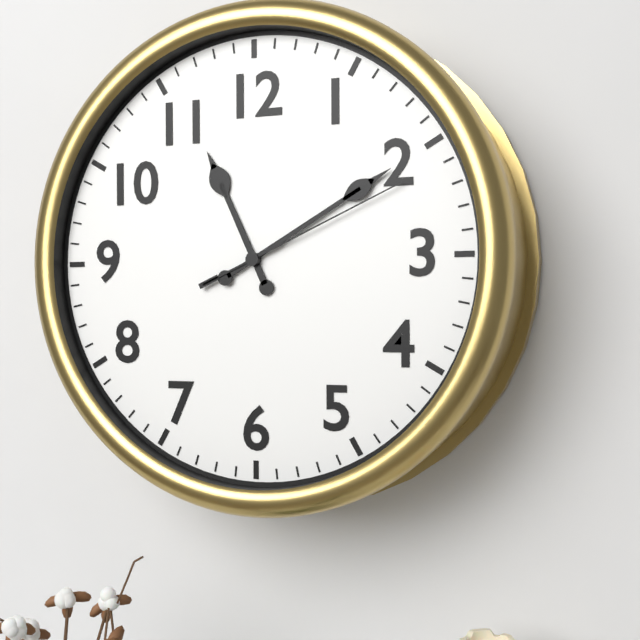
11:10:11
